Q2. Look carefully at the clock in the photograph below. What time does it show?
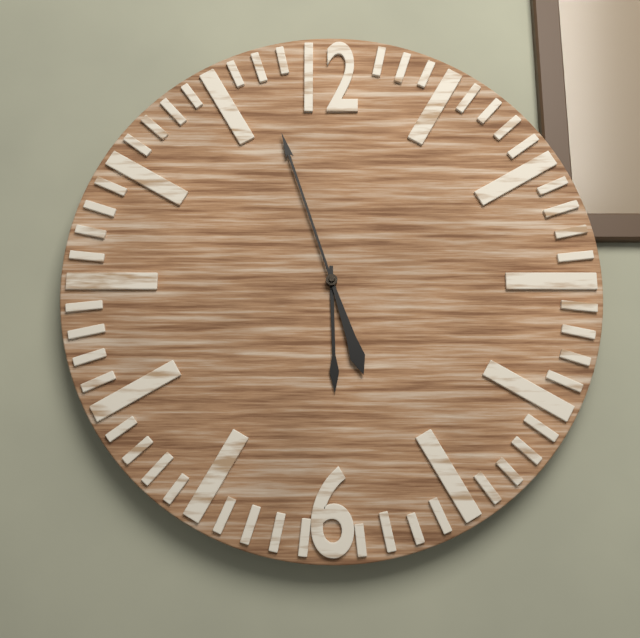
5:57
